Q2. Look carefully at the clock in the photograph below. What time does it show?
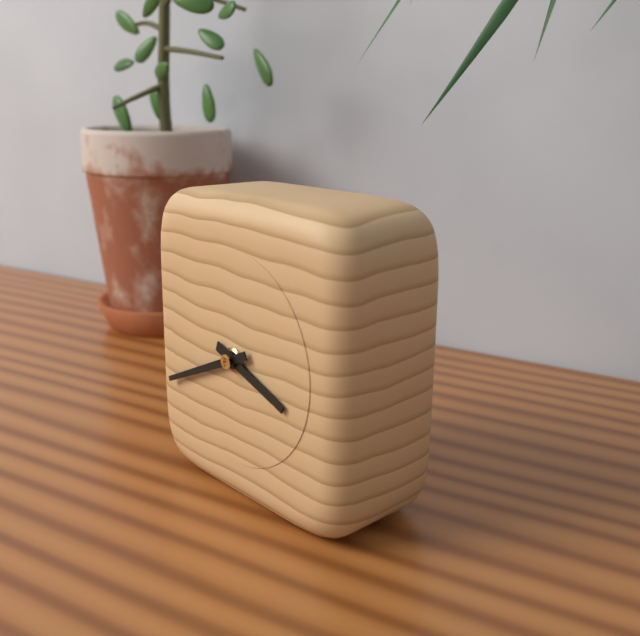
3:41
